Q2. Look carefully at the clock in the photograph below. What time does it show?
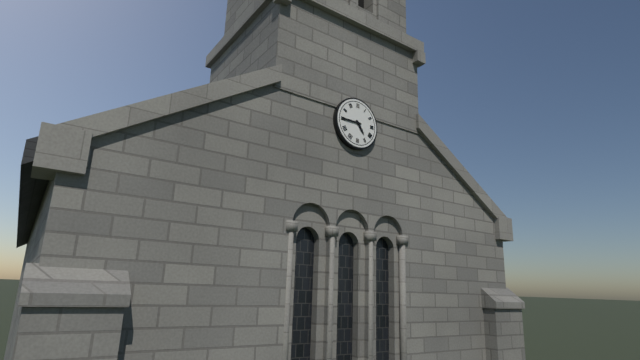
4:45
